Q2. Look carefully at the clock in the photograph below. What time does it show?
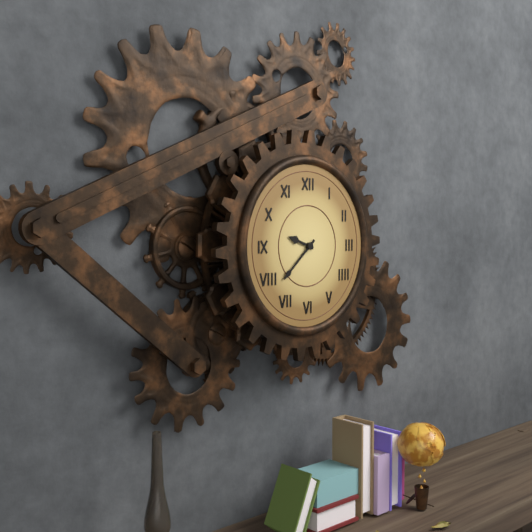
9:38
